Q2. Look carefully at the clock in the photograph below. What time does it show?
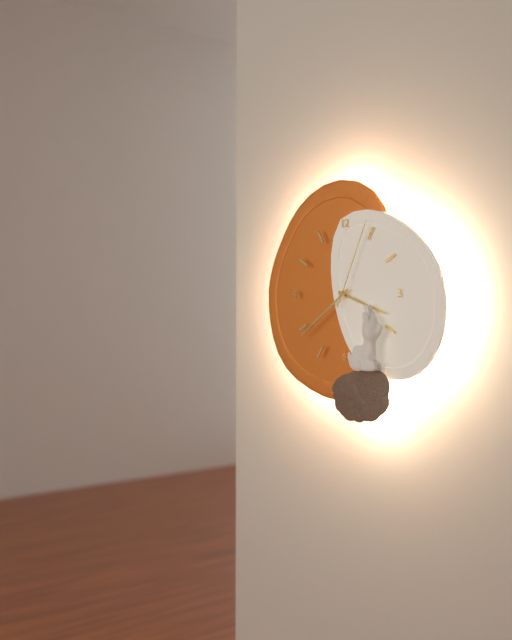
3:39:04
